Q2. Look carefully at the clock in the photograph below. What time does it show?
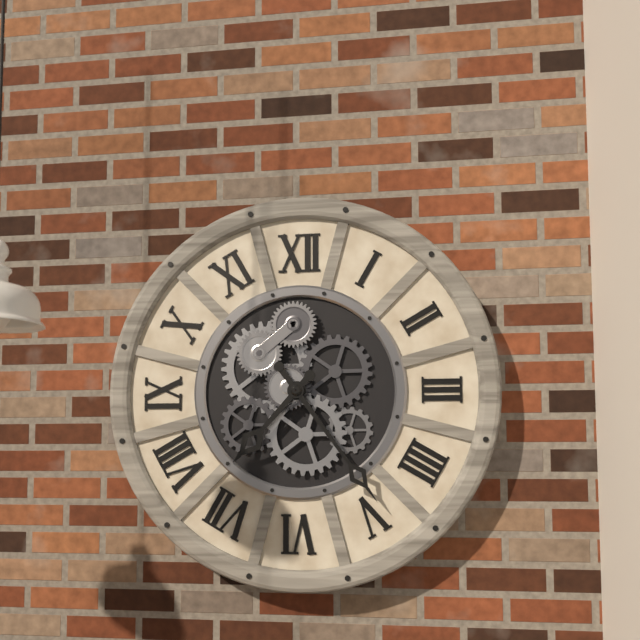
7:24
